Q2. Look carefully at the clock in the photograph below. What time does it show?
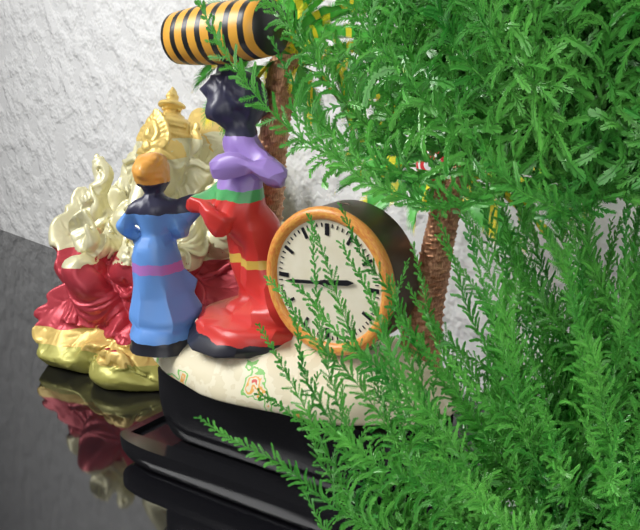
2:44
